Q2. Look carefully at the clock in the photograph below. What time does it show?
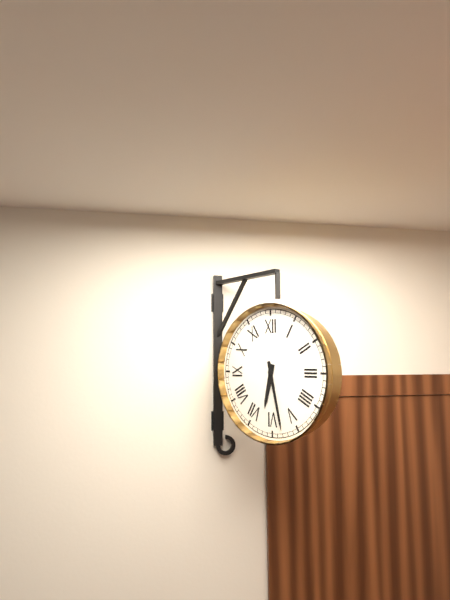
6:28
